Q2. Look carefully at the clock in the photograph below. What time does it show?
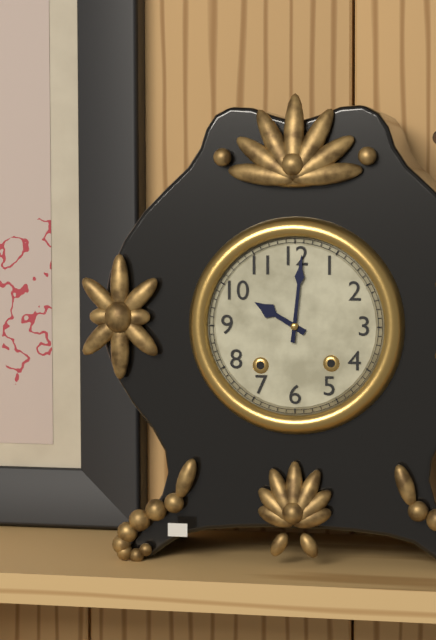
10:01
